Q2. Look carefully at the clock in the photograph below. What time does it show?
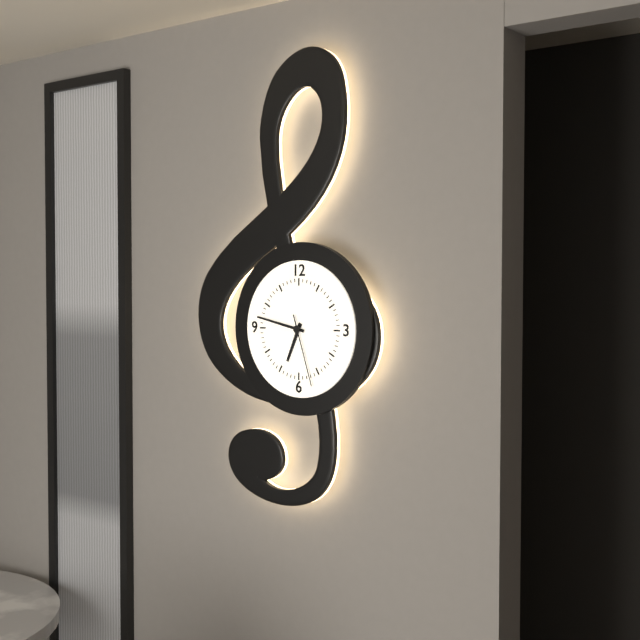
6:47:27
